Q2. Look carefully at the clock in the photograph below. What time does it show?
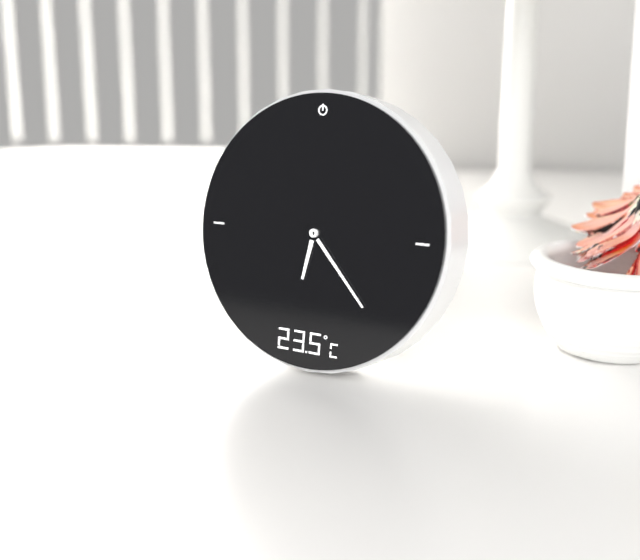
6:23
